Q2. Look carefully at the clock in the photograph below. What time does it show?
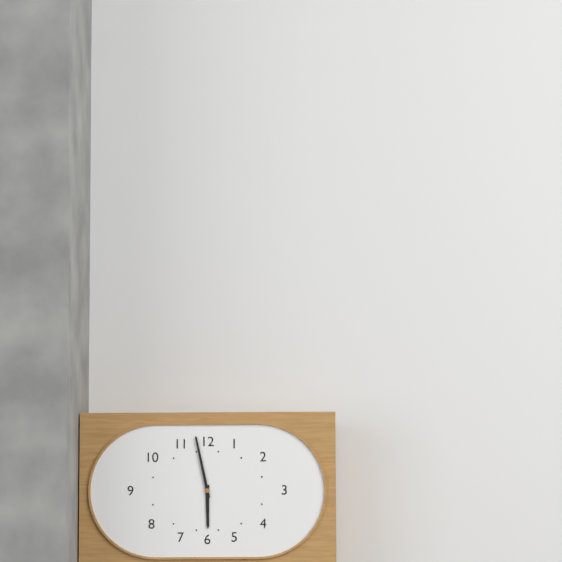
5:58
